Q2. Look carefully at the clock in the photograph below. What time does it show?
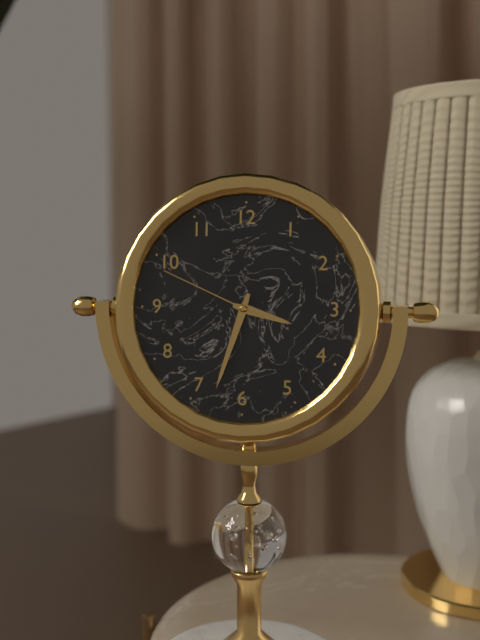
3:33:49
